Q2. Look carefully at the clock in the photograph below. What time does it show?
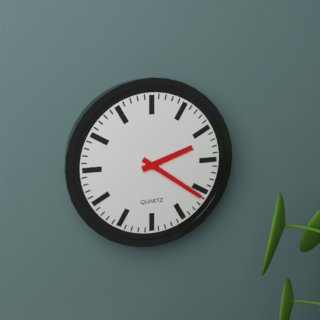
2:21
